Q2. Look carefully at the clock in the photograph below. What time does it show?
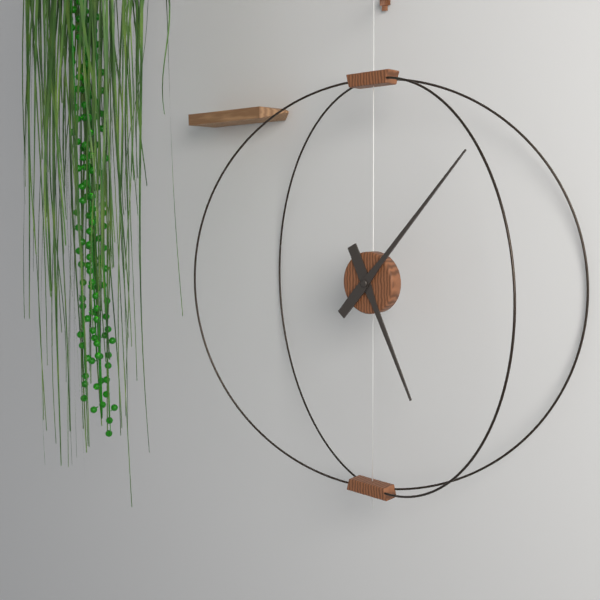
5:07
